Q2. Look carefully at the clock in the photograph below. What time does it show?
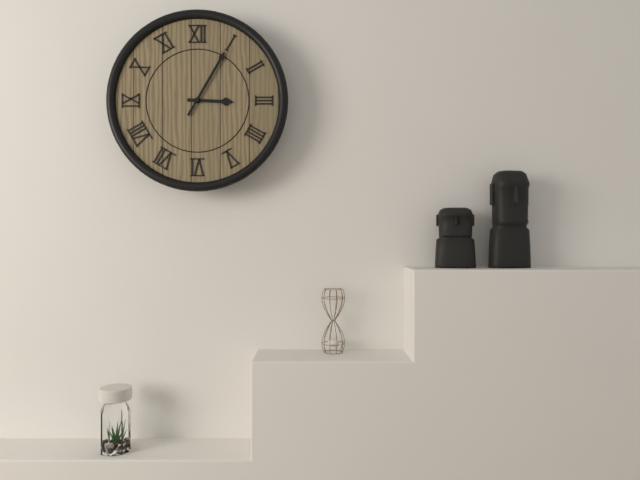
3:05
